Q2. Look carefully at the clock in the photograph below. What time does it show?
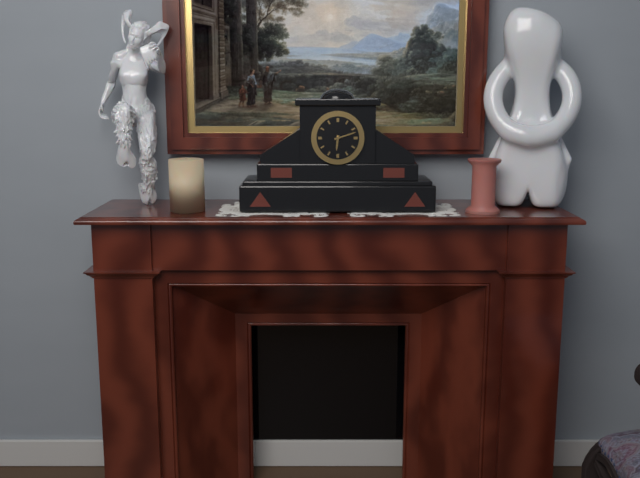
6:12
